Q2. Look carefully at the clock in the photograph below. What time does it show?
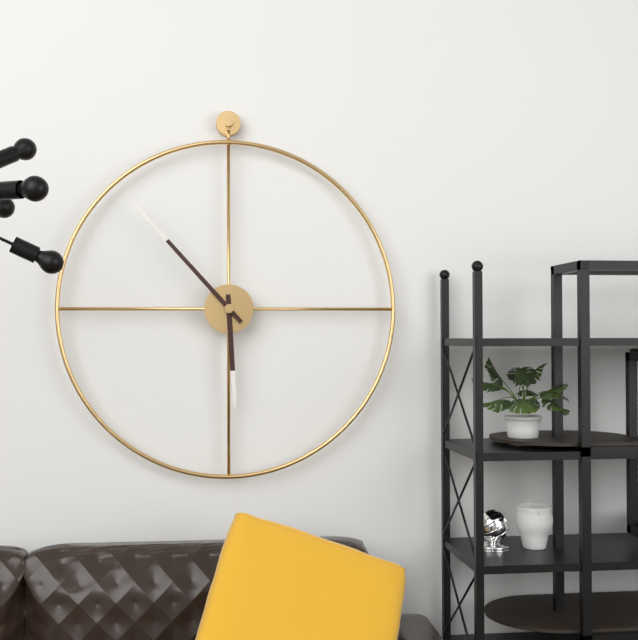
5:53
